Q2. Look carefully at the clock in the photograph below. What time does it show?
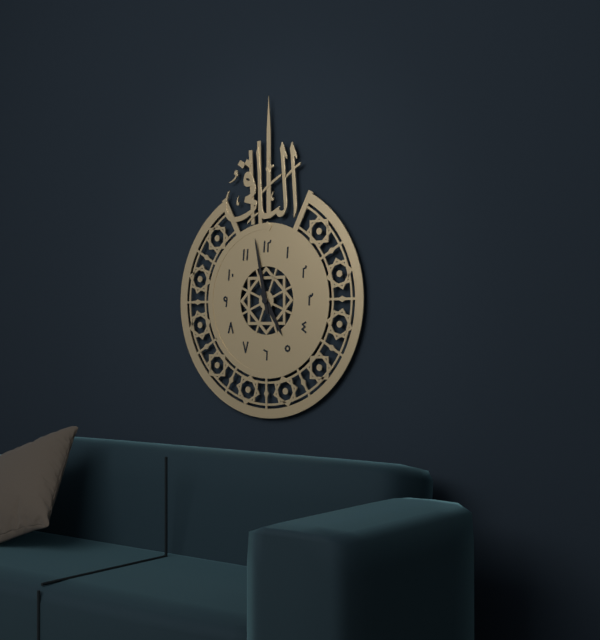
4:58
